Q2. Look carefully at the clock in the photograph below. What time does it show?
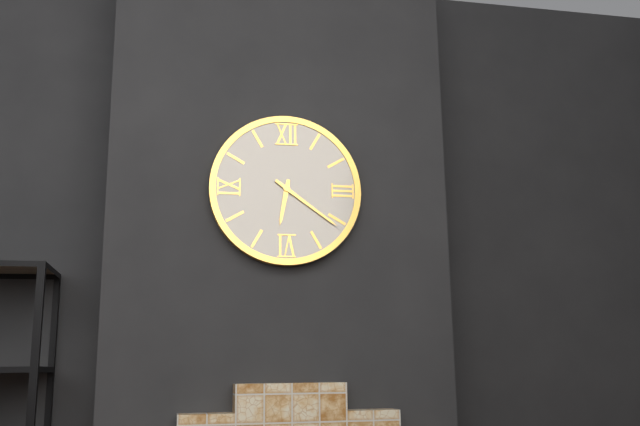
6:21
